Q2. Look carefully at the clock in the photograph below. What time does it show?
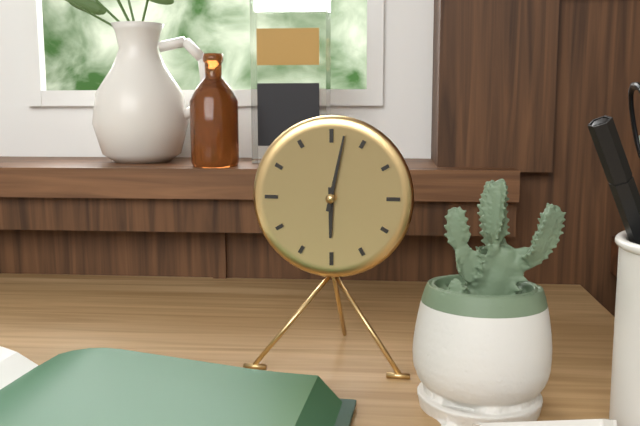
6:02
